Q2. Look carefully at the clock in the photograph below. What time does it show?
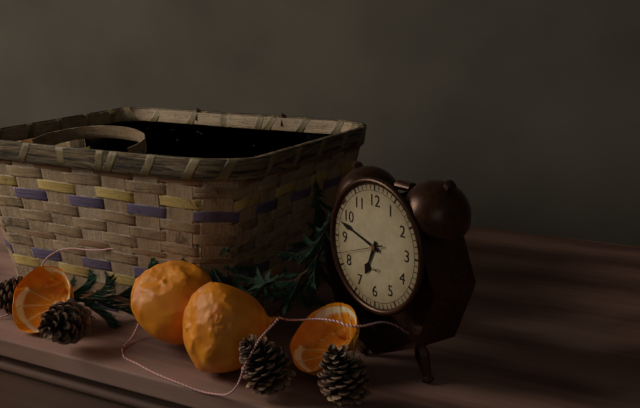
6:48
